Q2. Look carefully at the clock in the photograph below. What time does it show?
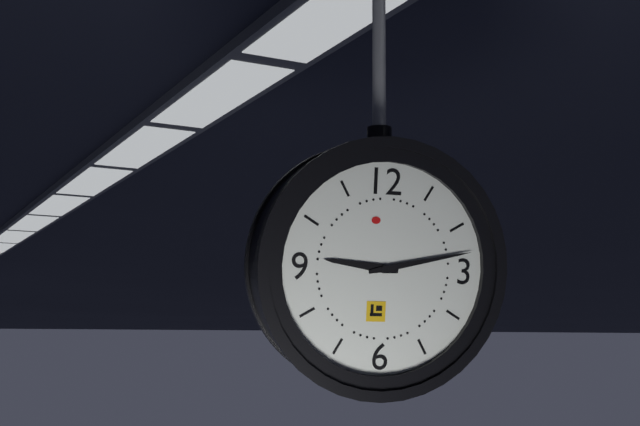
9:13
